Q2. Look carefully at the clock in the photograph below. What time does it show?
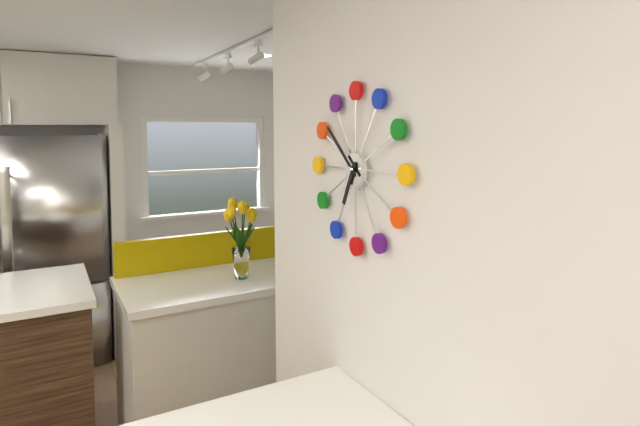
6:52
